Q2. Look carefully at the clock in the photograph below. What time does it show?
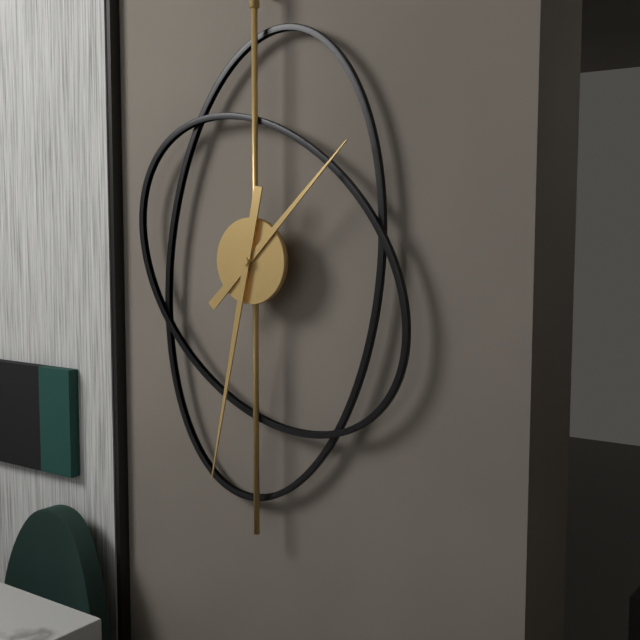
1:32
